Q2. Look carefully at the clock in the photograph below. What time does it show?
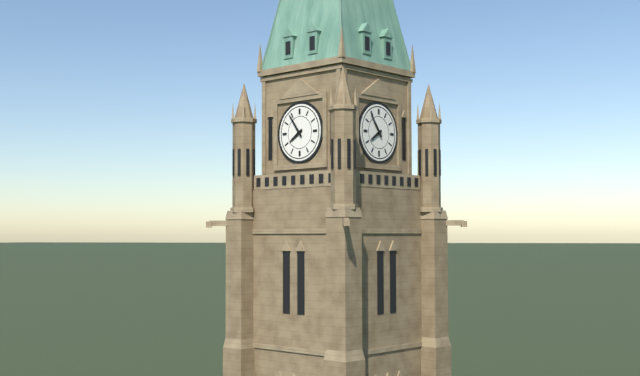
7:54
